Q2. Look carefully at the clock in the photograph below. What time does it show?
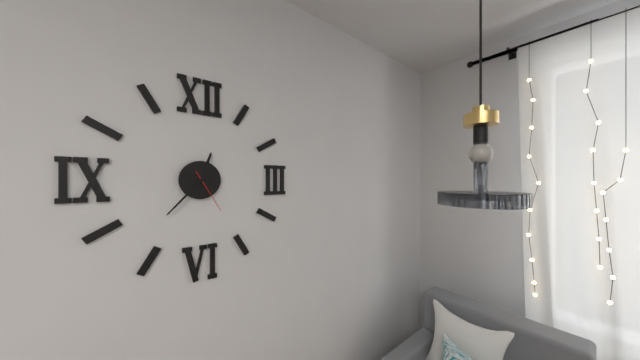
12:37
